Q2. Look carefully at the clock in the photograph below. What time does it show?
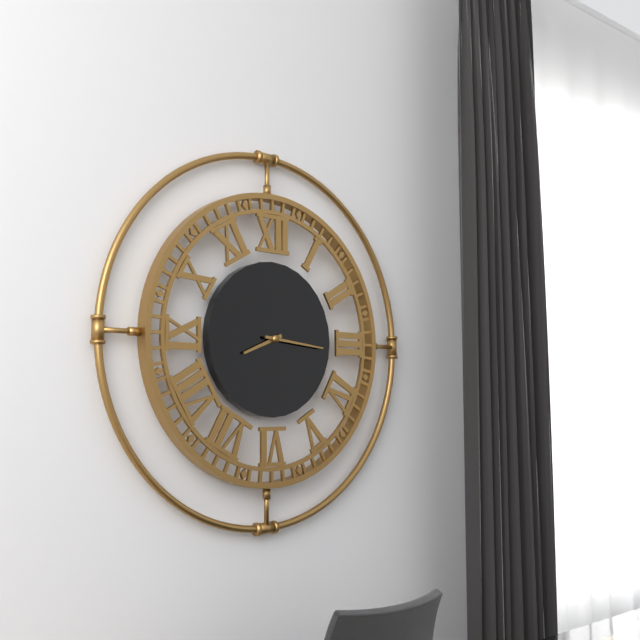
8:16
